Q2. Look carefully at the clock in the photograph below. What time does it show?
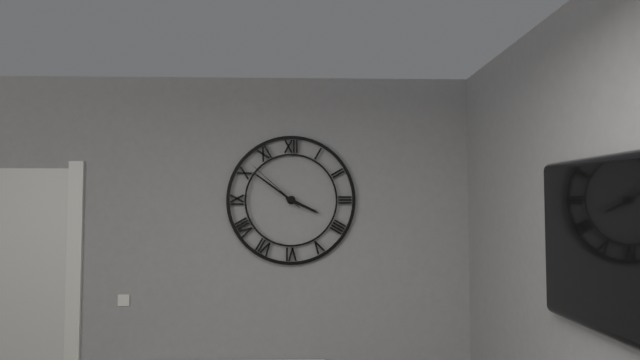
3:51:52
